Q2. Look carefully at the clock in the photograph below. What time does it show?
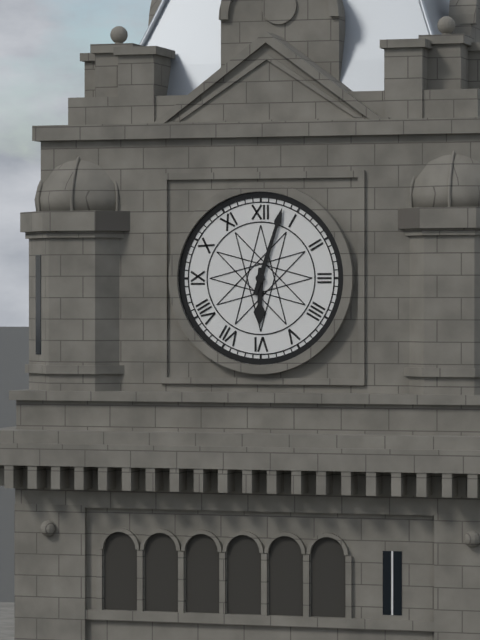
6:03
